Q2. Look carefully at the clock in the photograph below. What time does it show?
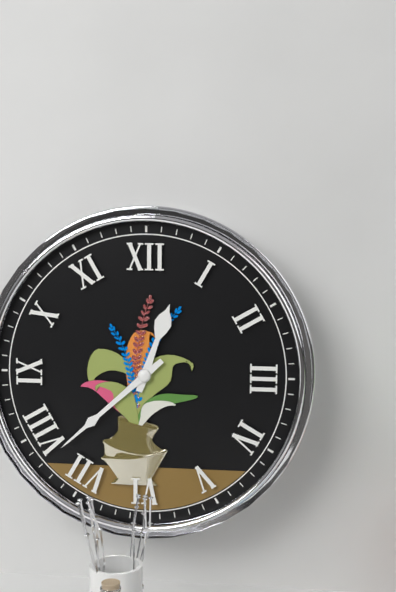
12:38
